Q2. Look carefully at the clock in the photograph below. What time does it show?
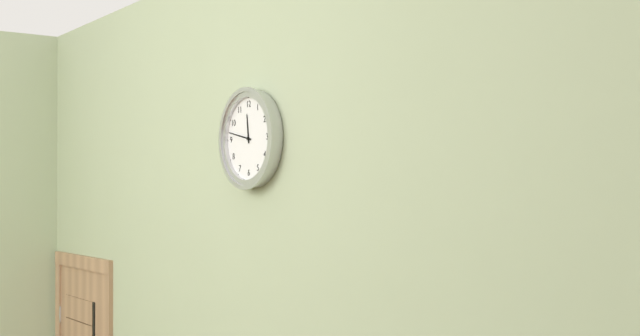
11:47
